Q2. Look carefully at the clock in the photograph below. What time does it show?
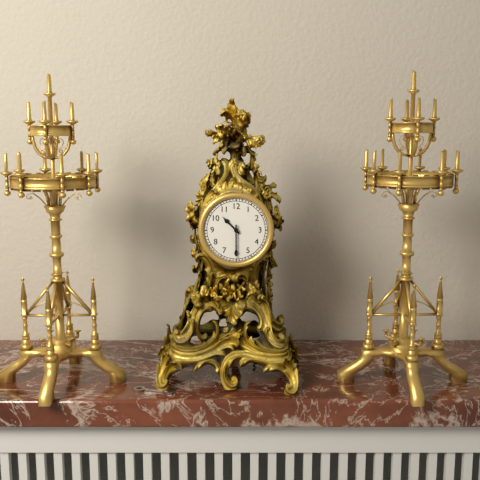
10:30
